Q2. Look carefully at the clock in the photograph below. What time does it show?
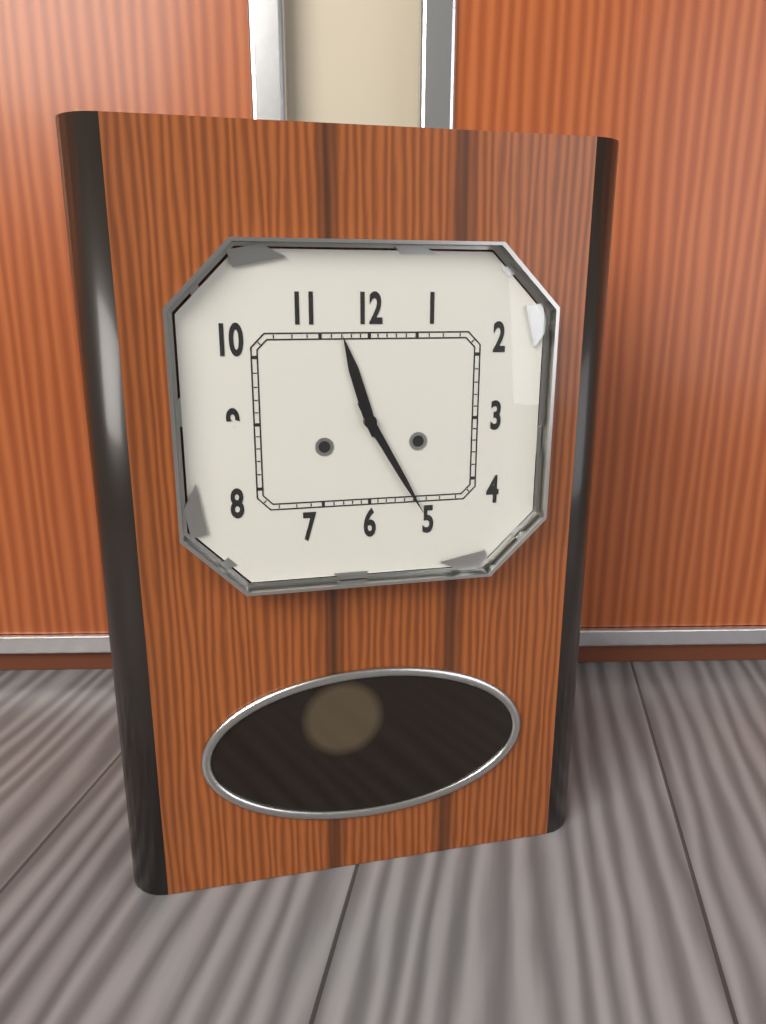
11:25
